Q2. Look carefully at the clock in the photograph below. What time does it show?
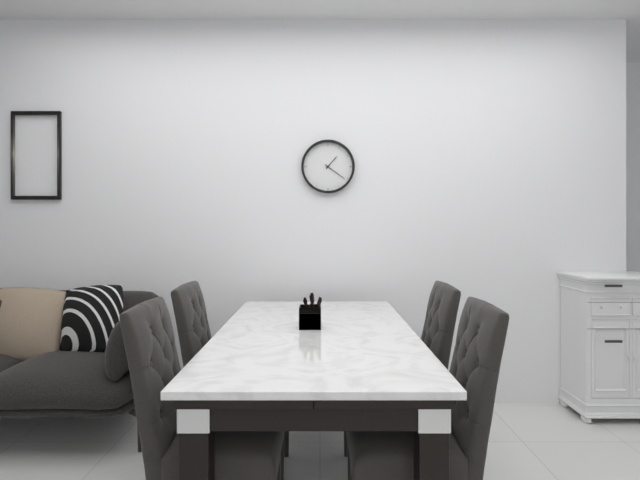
1:21
